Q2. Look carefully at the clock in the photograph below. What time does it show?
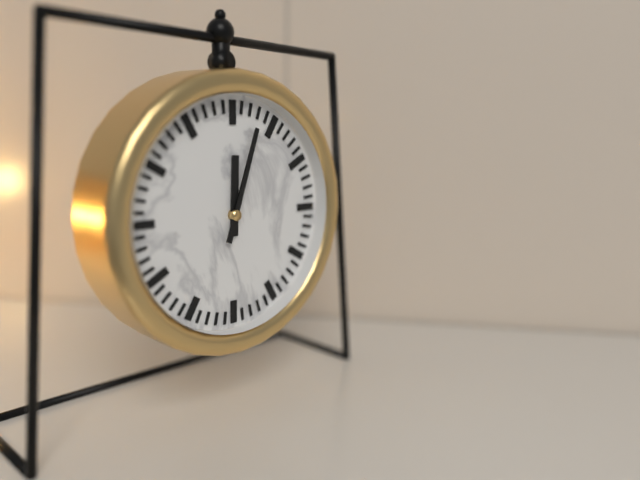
12:03
